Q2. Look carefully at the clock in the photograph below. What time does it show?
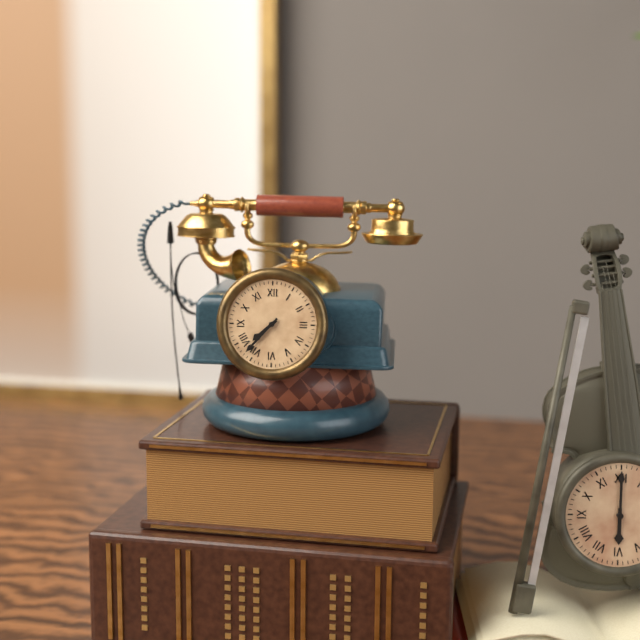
7:37
